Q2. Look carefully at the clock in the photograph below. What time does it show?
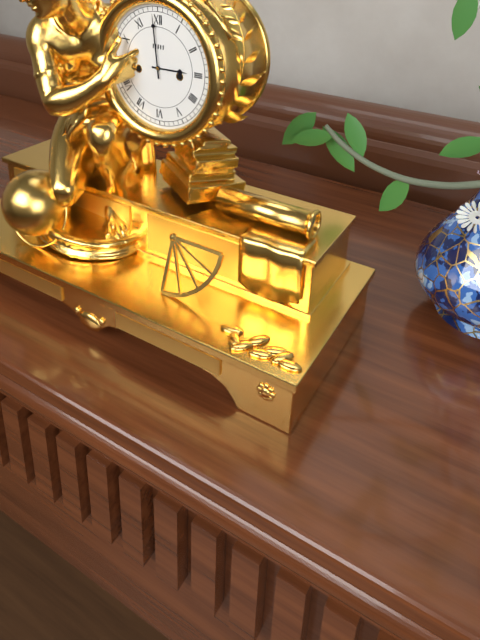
2:59
